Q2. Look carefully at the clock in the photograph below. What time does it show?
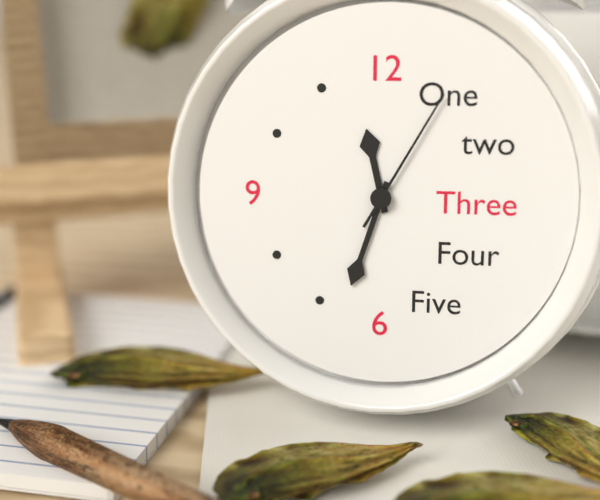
11:33:05
